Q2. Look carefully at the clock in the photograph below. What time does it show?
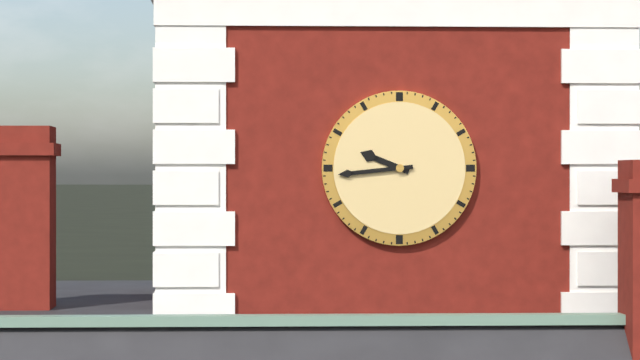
9:44
